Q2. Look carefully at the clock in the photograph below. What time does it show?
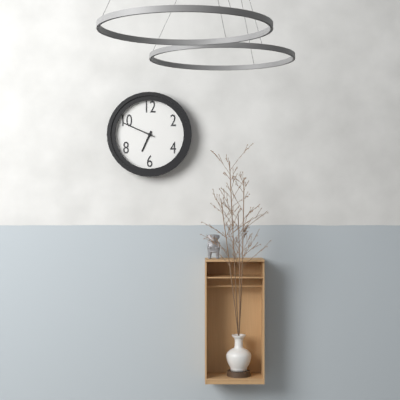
6:49
